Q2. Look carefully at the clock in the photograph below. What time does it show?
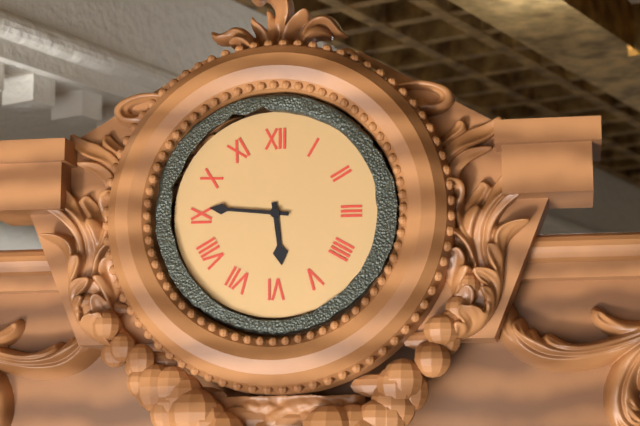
5:46
